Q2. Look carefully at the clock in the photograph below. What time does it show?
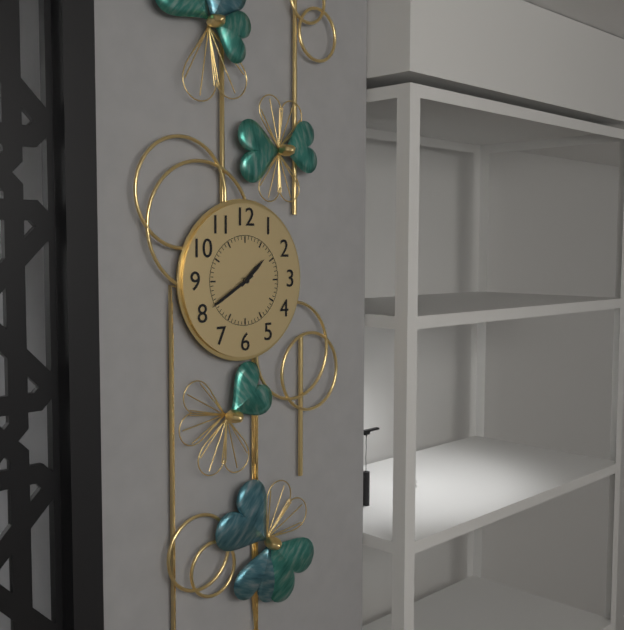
1:40
